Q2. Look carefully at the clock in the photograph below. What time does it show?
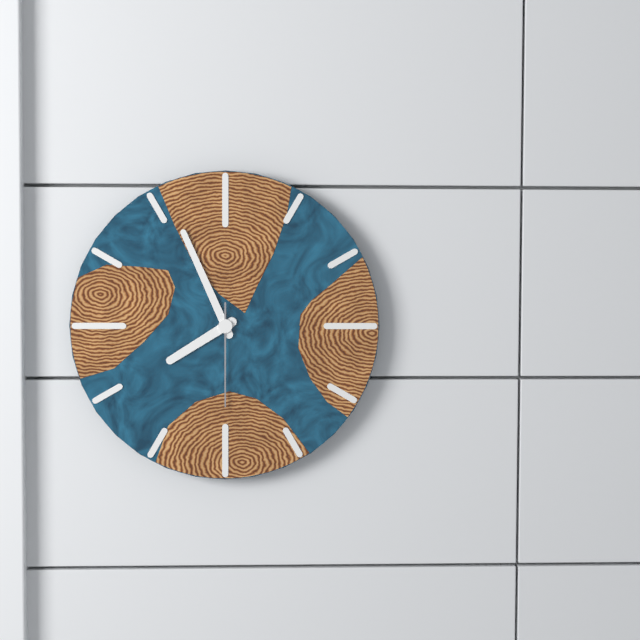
7:56:30
